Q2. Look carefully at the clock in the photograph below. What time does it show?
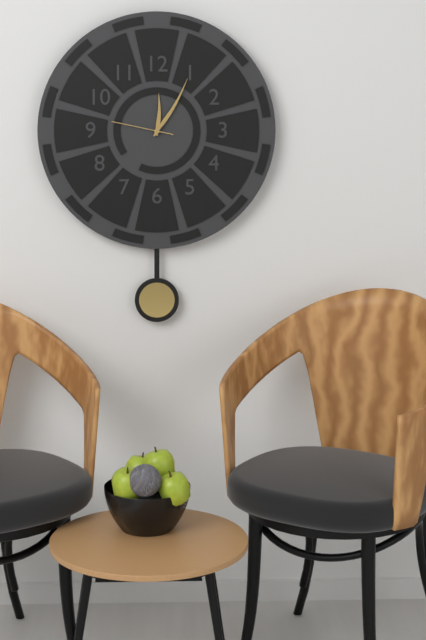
12:05:47
